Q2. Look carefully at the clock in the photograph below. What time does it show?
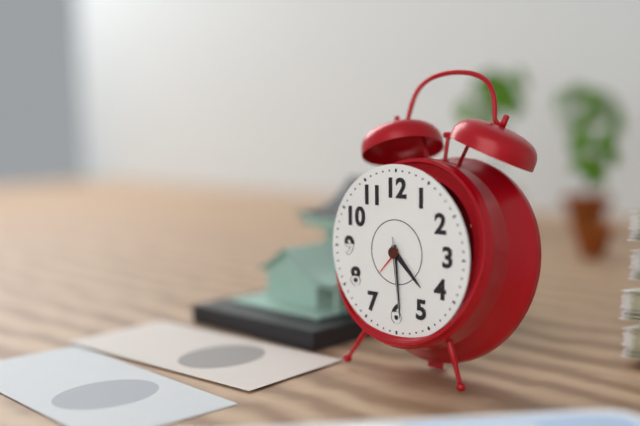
4:29:29
